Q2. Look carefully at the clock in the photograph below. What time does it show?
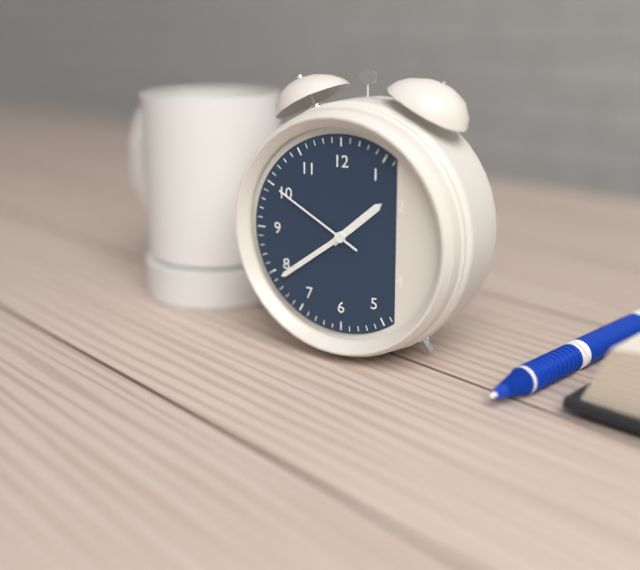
1:39:50
